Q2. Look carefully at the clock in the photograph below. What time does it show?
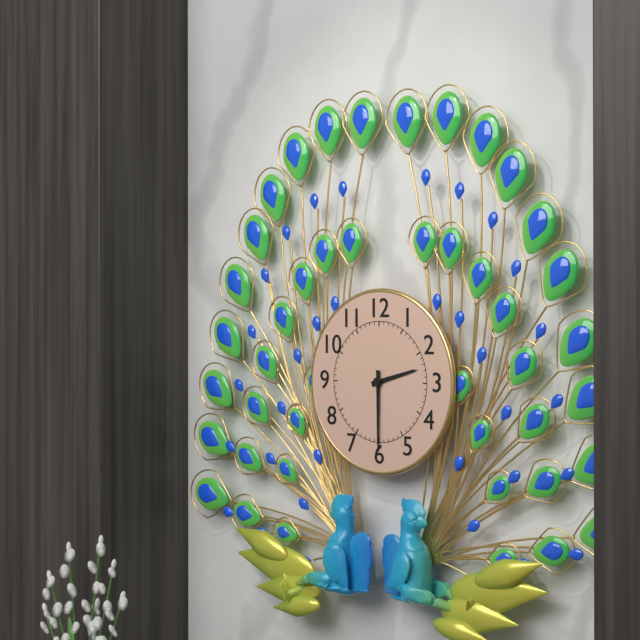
2:30
